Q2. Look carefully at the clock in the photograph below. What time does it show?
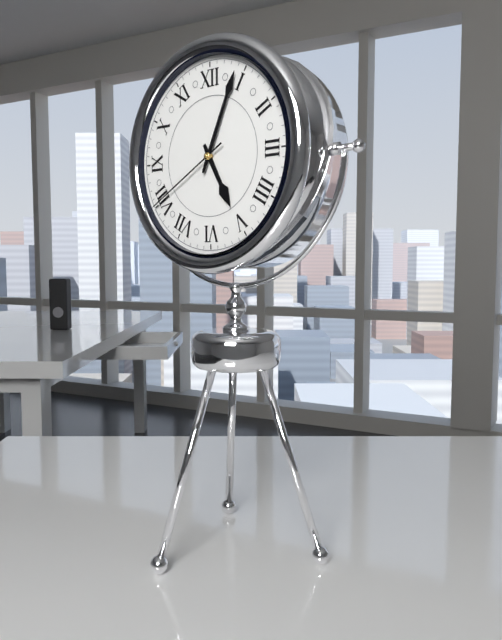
5:04:40
